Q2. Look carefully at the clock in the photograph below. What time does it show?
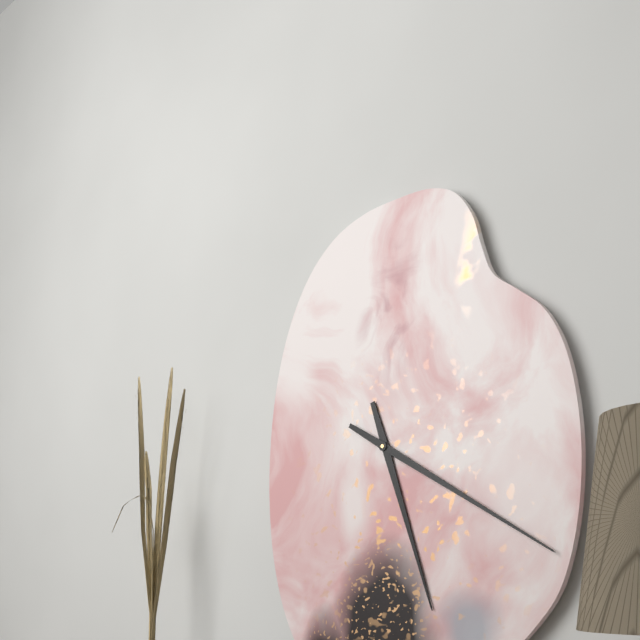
5:20
